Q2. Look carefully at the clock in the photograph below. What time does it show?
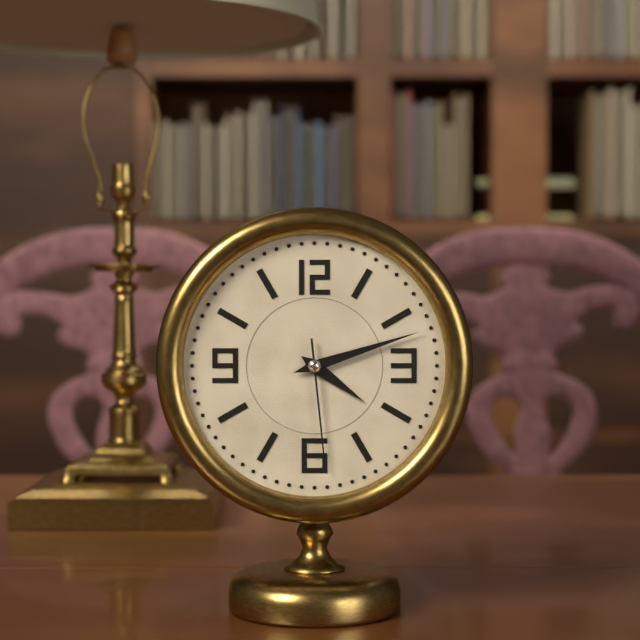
4:12:29
